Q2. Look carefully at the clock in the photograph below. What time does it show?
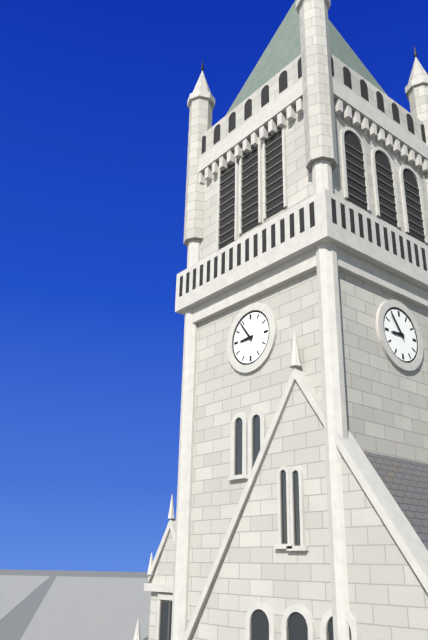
8:54
